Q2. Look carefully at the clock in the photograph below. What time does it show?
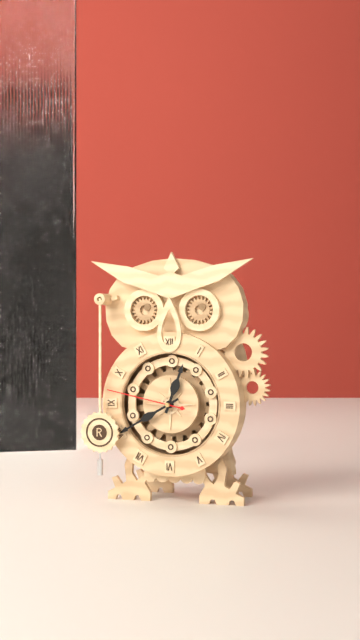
12:40:47
